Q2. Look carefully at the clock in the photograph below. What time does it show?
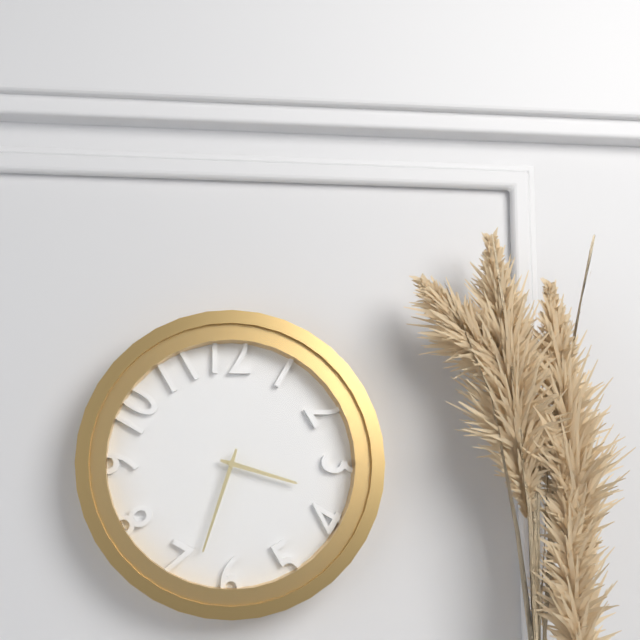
3:33
